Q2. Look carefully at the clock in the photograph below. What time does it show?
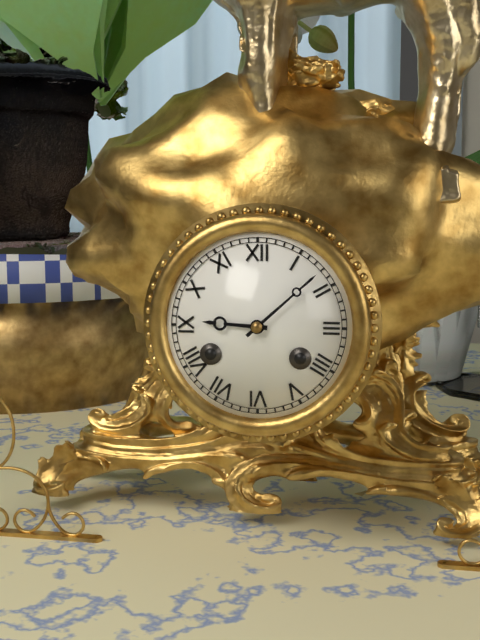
9:08
